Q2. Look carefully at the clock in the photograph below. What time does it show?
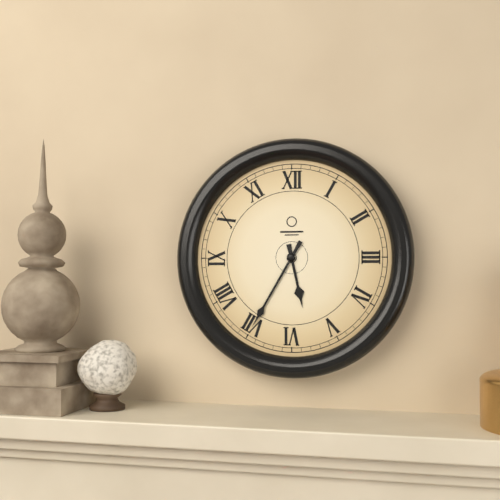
5:35
